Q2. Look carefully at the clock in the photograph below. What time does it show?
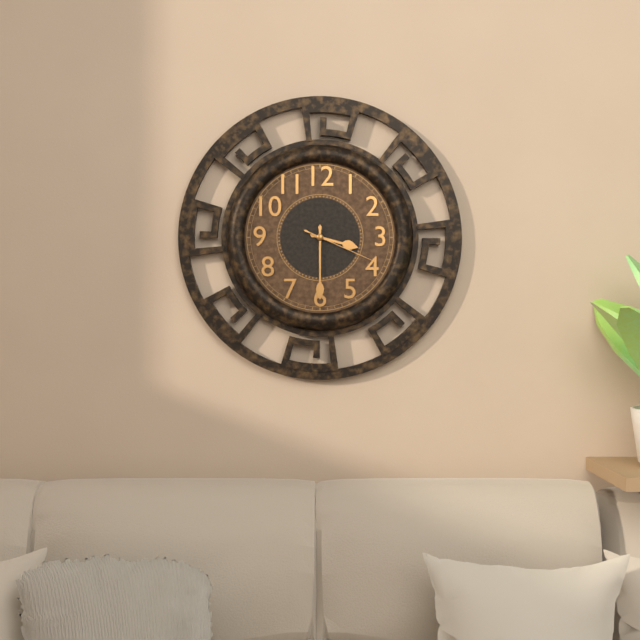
3:30:19
